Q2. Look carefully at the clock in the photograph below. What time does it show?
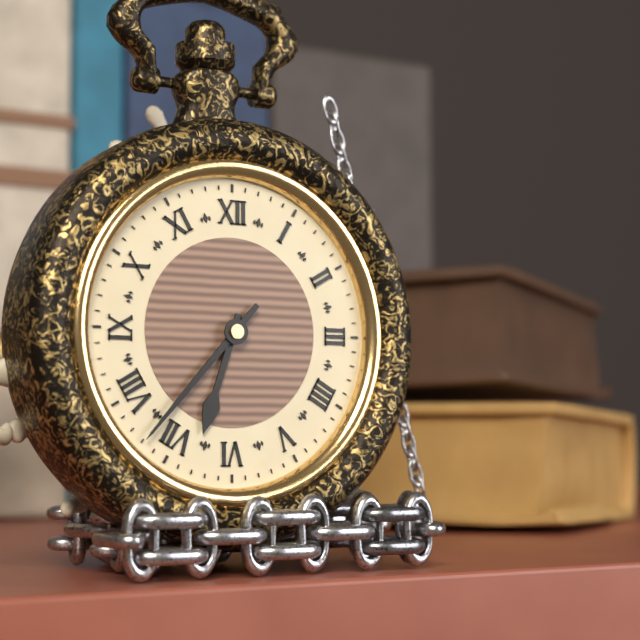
6:37
